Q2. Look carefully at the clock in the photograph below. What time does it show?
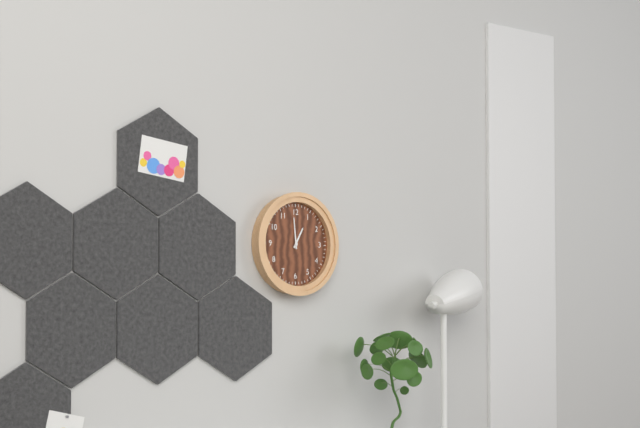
12:59
